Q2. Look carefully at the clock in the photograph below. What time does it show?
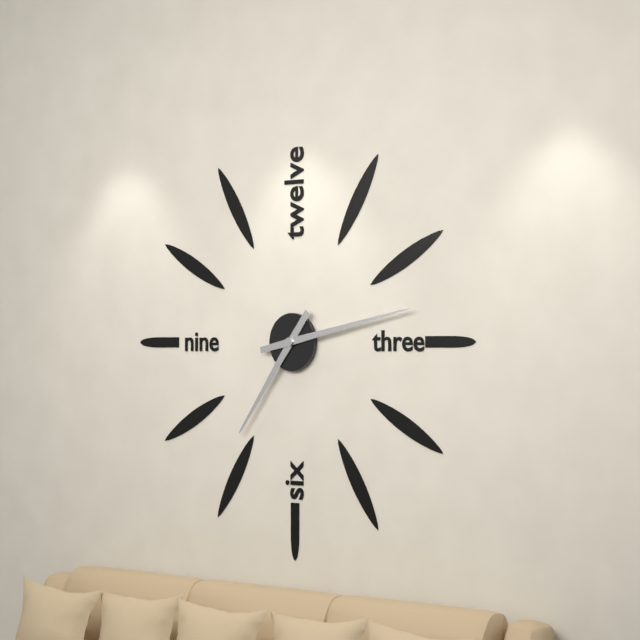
7:13
